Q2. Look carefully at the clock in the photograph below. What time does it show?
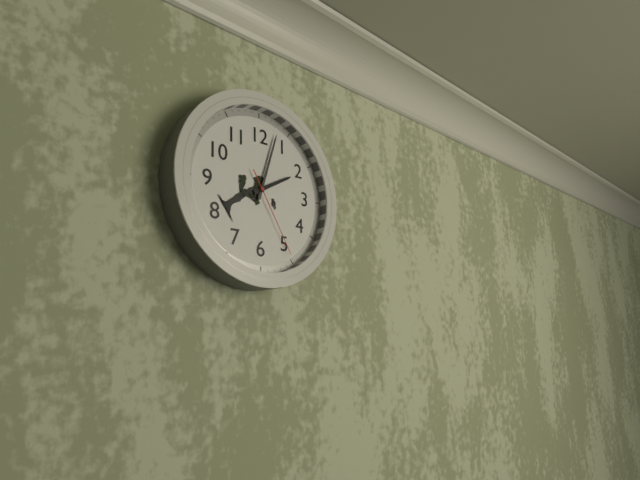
2:03:25
